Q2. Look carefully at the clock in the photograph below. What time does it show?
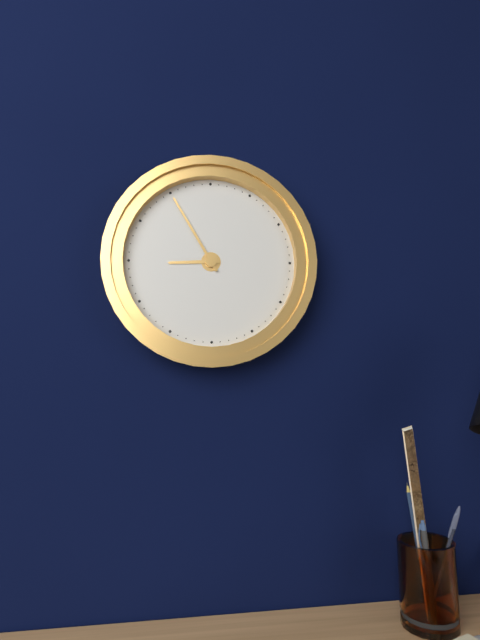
8:55
